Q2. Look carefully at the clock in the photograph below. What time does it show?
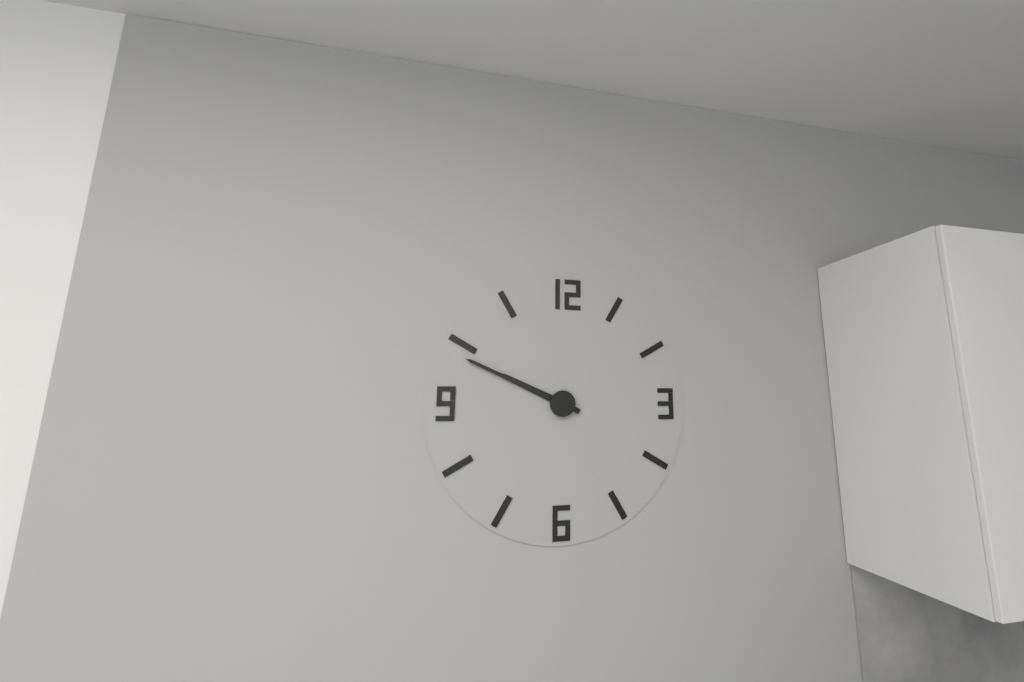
9:49
